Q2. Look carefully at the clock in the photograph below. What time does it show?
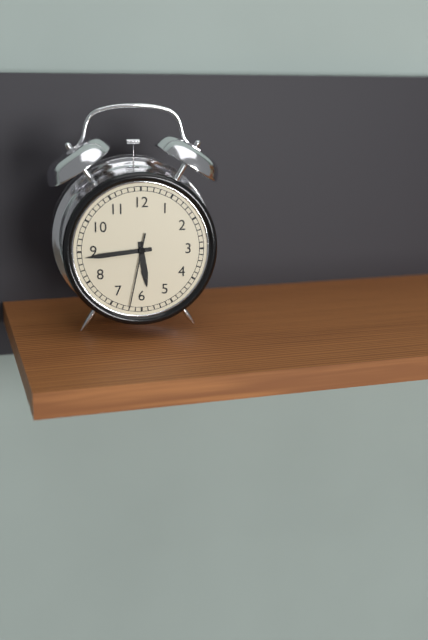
5:44:32
